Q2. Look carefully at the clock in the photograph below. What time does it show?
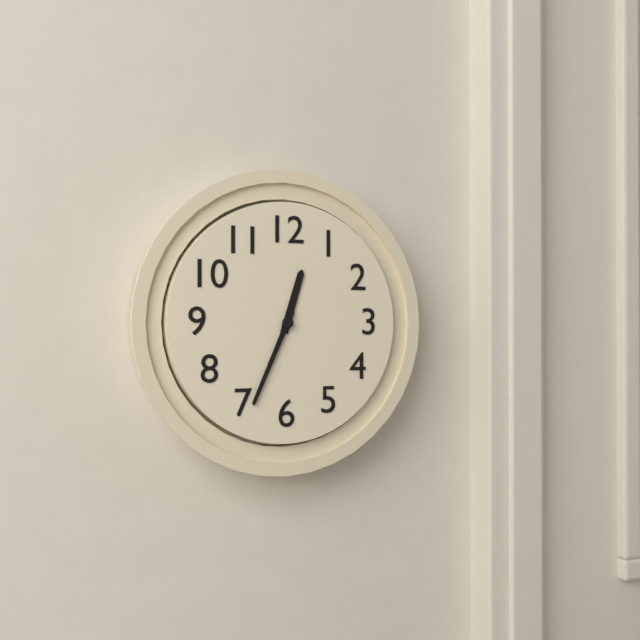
12:34
